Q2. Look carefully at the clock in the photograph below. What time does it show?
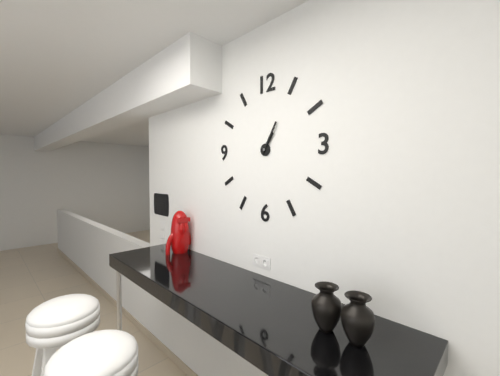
1:05
